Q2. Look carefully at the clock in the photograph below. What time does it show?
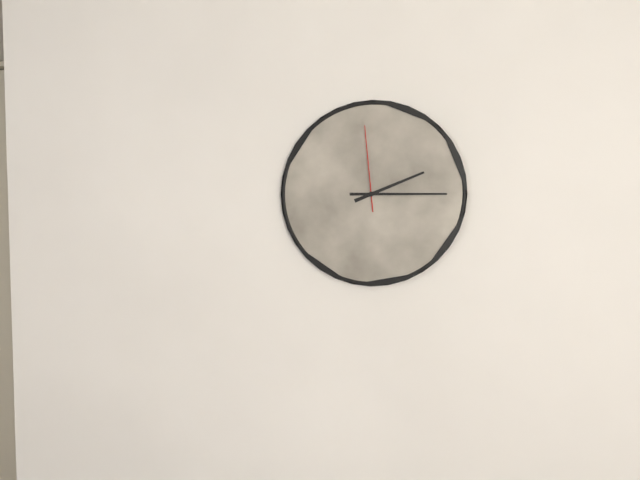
2:15:59
